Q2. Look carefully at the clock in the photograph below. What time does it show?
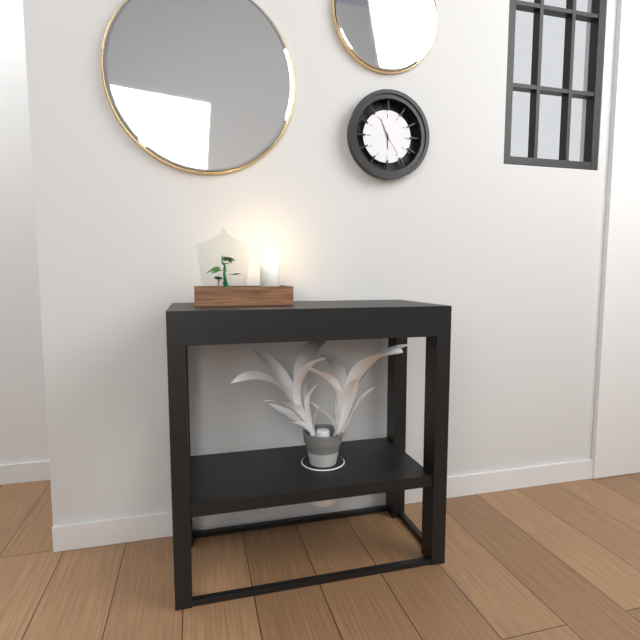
5:56
